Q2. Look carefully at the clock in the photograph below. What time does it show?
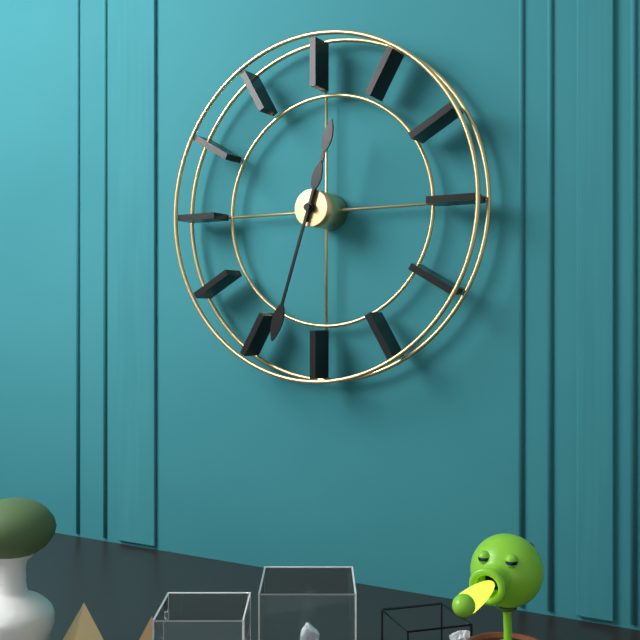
12:33
